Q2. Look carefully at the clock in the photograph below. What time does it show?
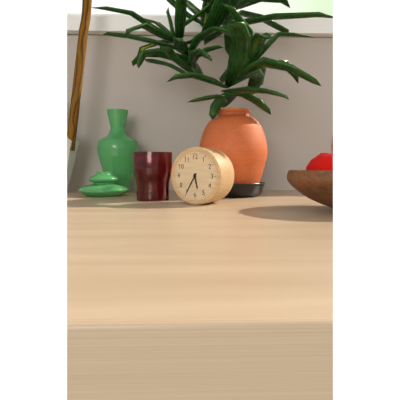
5:35
